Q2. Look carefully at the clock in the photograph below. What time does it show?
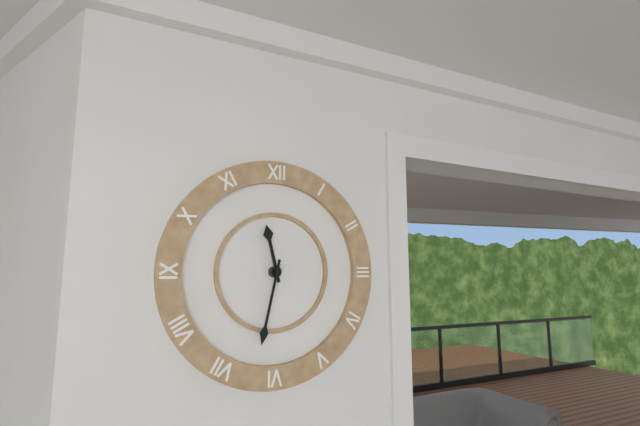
11:32
